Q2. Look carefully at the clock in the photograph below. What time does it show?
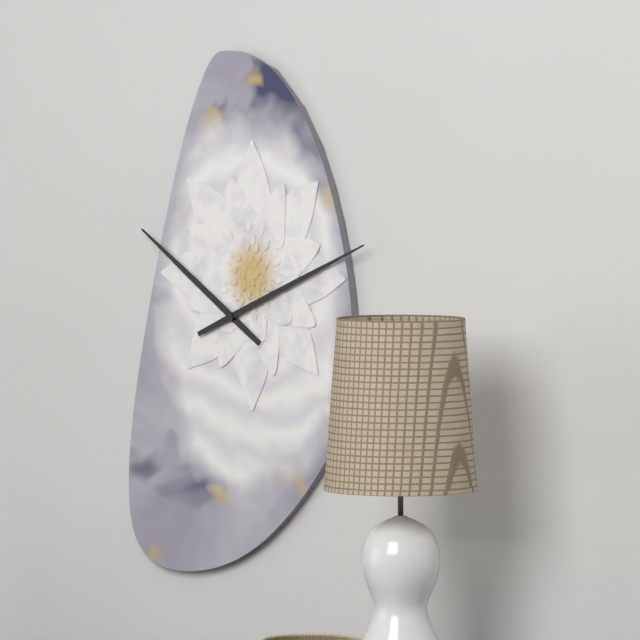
10:11
